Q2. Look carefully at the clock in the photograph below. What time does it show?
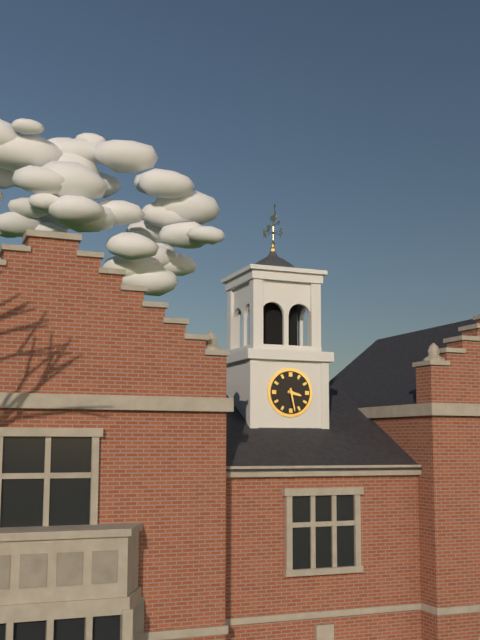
3:28
